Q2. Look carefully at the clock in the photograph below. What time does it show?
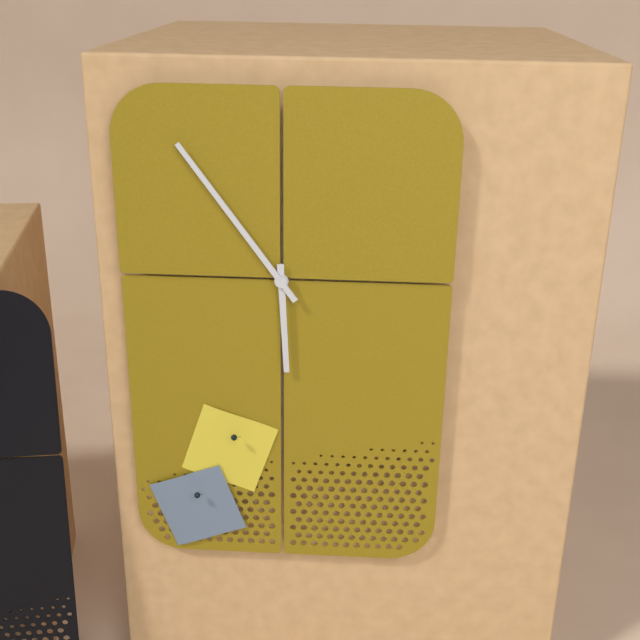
5:54
